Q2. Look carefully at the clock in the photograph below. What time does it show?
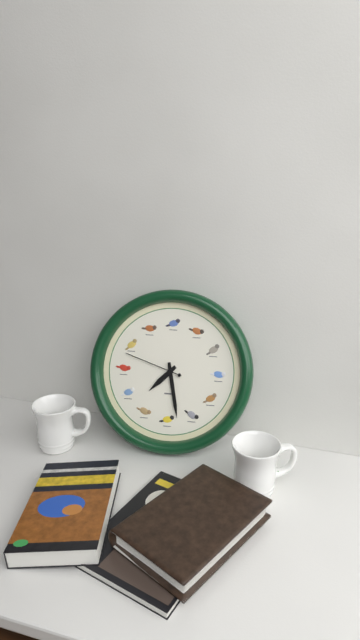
7:28:48
